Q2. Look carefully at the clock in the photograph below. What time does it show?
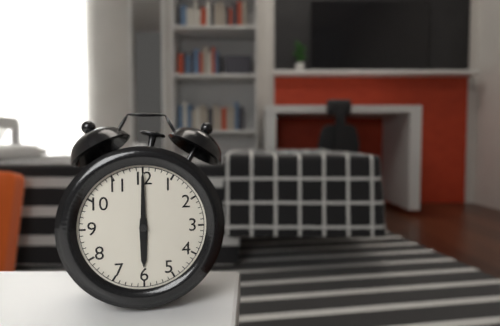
6:00
